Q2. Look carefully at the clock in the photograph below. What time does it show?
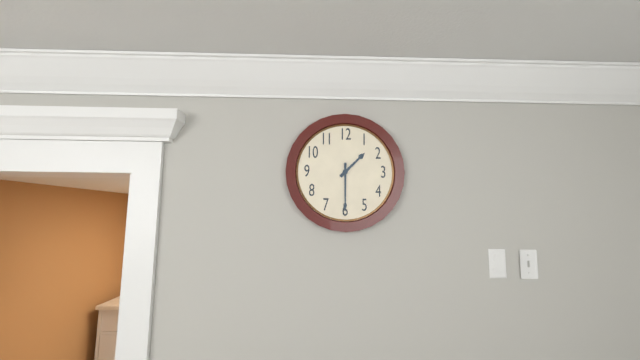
1:30
